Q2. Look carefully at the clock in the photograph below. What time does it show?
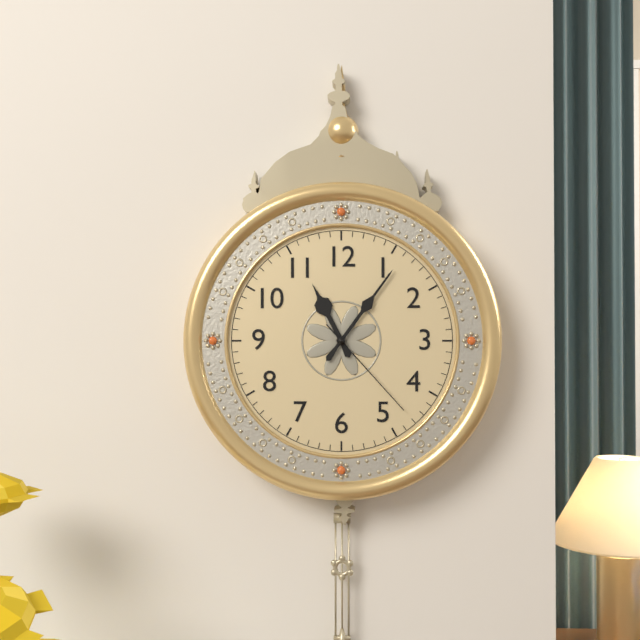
11:06:23
